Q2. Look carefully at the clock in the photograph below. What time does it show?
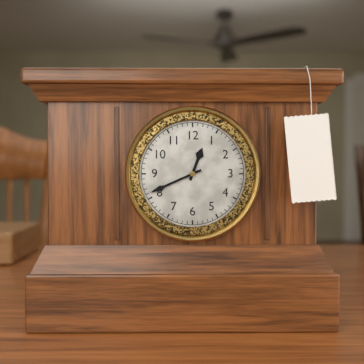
12:41
